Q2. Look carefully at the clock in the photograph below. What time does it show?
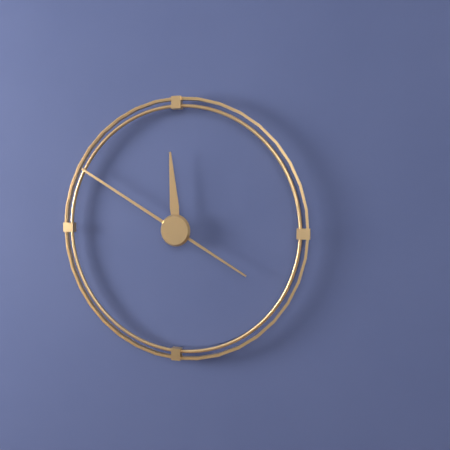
11:50
